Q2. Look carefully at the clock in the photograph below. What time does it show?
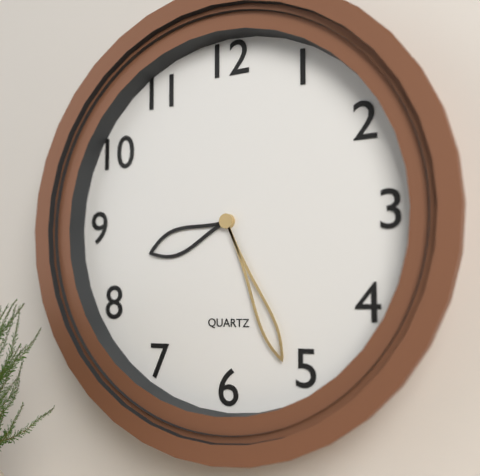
8:26
